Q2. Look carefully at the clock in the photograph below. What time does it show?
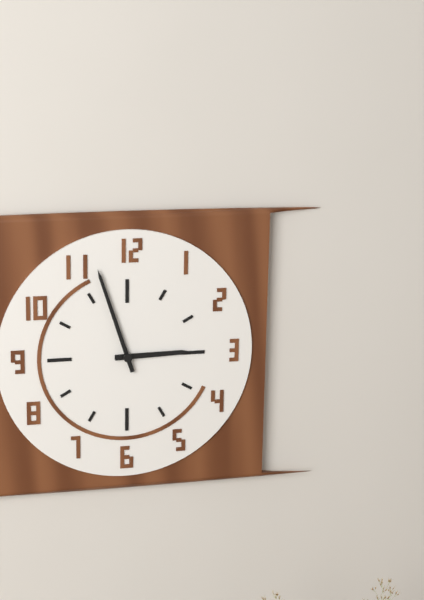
2:57
